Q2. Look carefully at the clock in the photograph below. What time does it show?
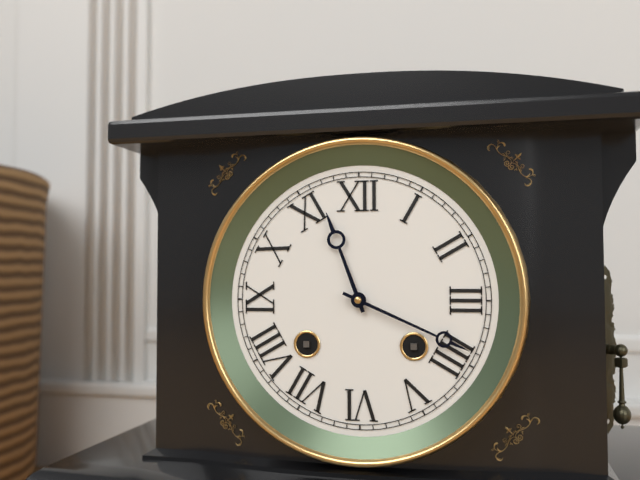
11:19
